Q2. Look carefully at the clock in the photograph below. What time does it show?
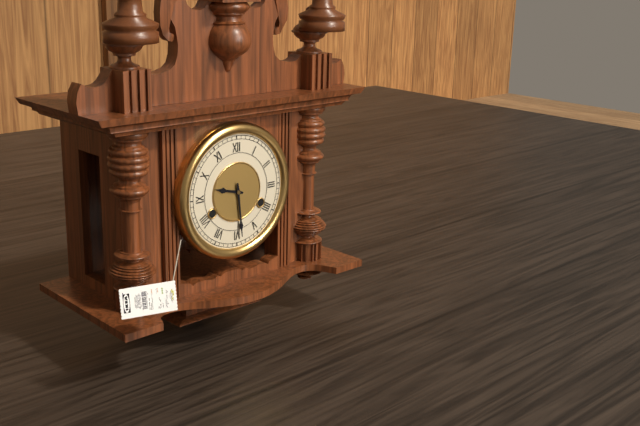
9:29
